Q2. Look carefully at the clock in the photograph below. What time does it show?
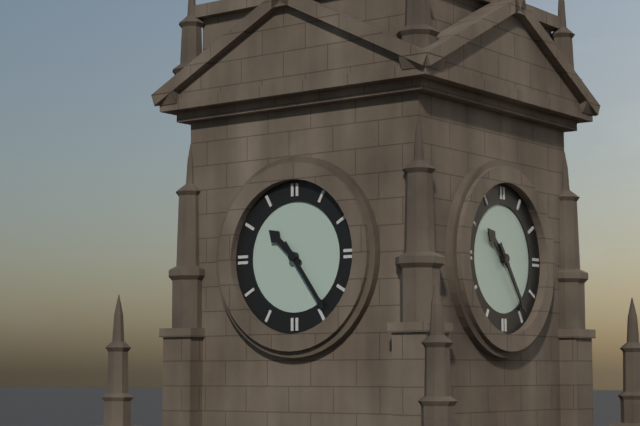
10:24
